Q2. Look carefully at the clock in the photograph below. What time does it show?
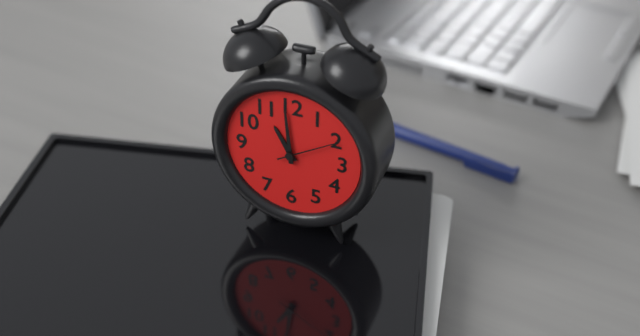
10:59:10
